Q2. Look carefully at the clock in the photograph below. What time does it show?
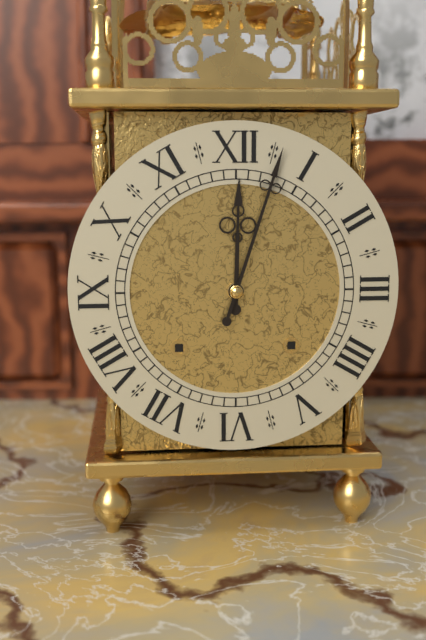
12:03
